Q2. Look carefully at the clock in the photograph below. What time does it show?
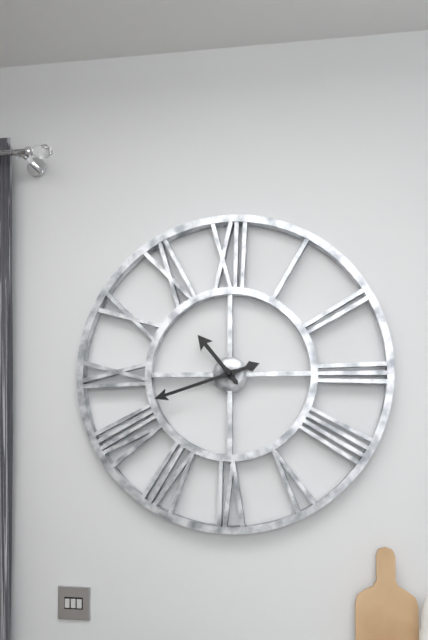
10:42
